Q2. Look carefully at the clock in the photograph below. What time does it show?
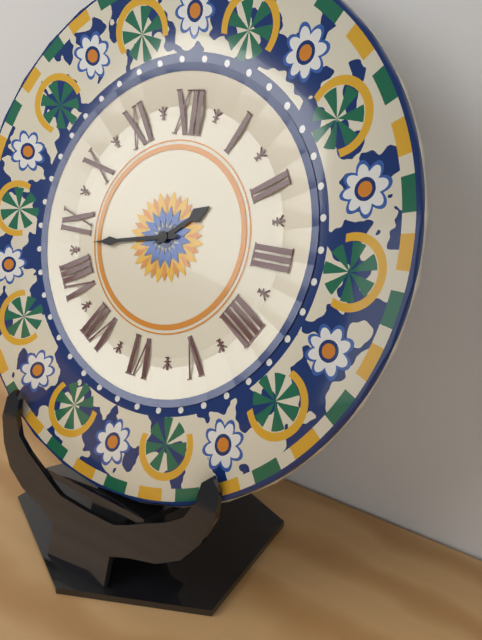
1:43
